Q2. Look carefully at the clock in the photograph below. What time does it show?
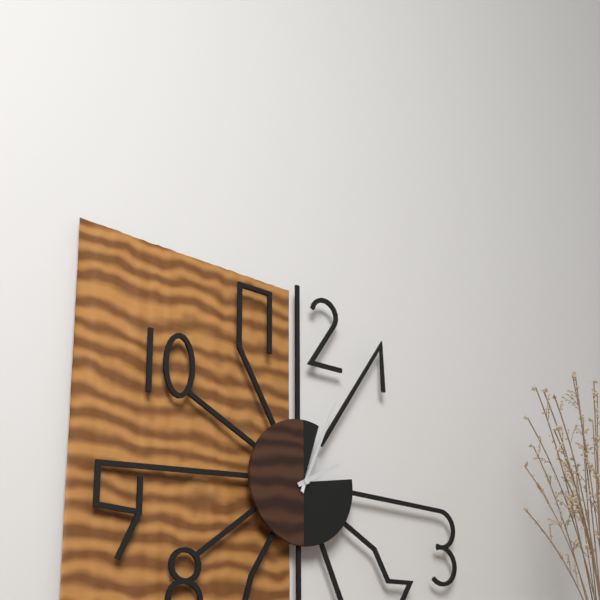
2:04:03
